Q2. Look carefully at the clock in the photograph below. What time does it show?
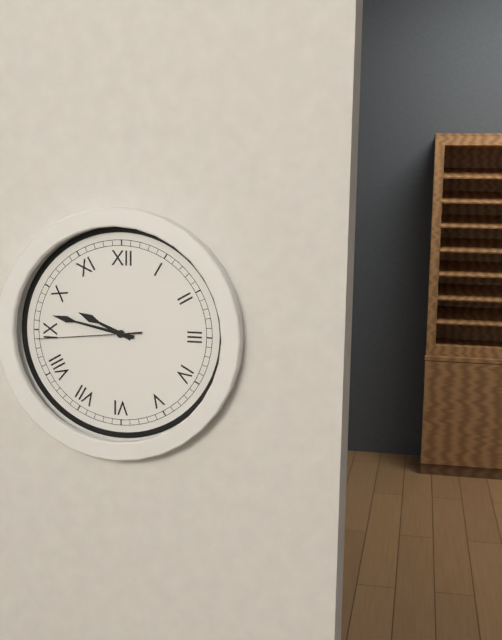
9:47:44
